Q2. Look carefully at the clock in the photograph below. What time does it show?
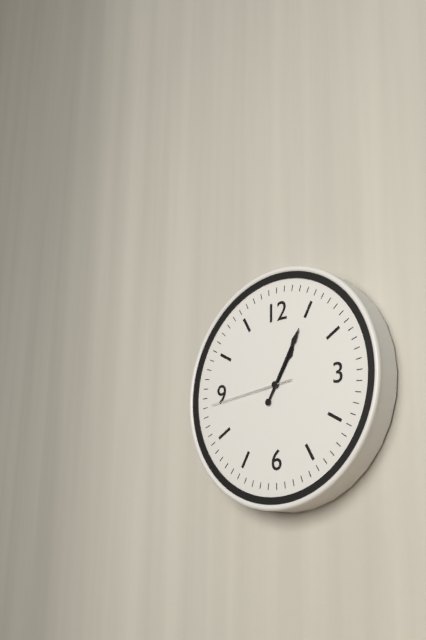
1:05:44
